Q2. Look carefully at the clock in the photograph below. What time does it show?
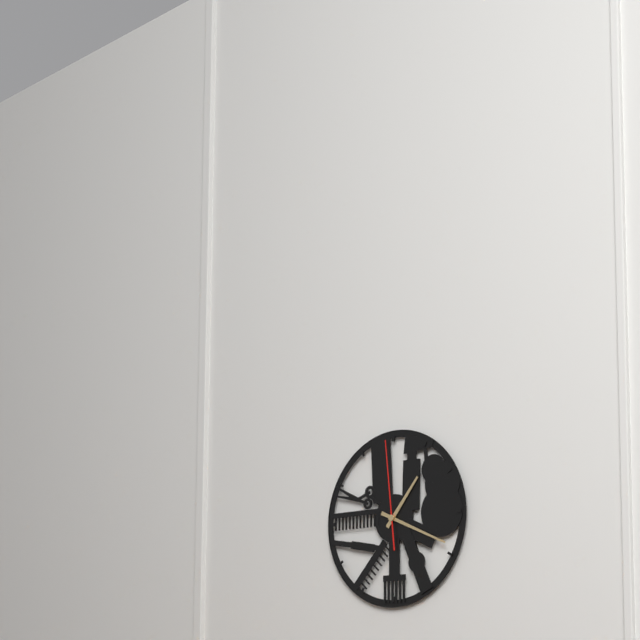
1:19:59
